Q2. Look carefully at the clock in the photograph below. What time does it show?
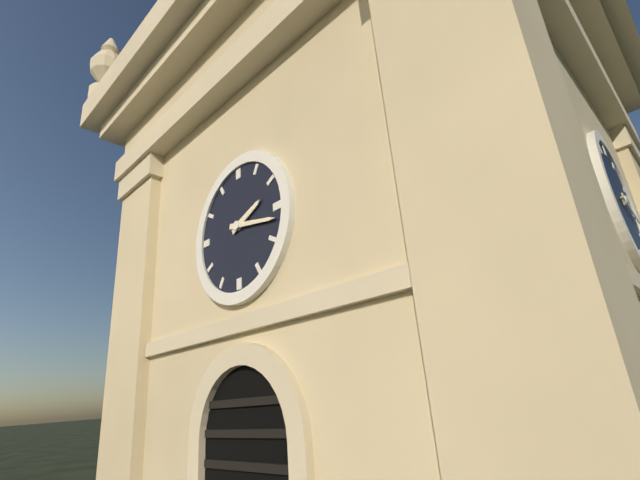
2:17
